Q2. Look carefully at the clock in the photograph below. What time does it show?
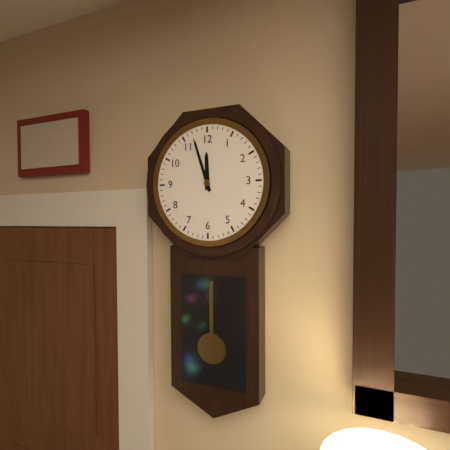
11:57
